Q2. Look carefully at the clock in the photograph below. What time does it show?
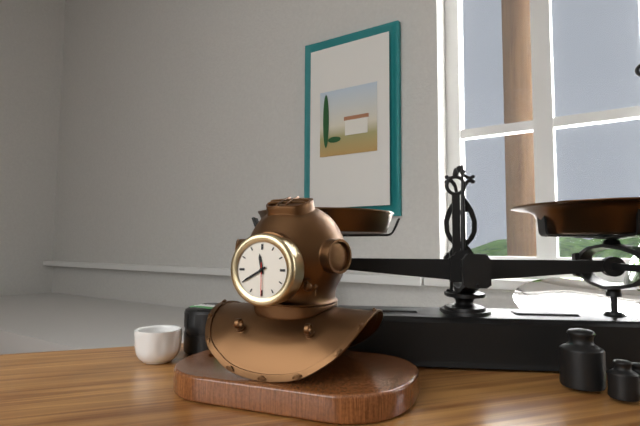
11:40
